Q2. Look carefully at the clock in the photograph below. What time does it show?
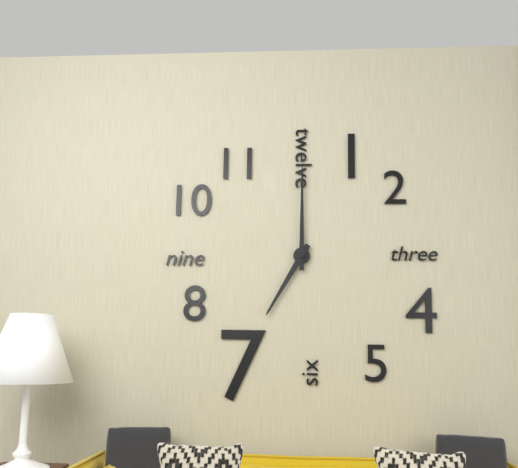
7:00
